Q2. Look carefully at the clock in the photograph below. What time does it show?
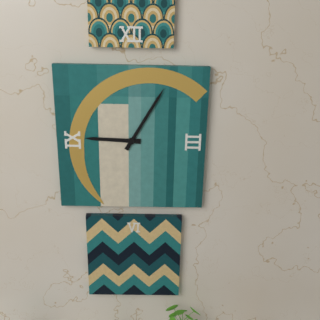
9:05
